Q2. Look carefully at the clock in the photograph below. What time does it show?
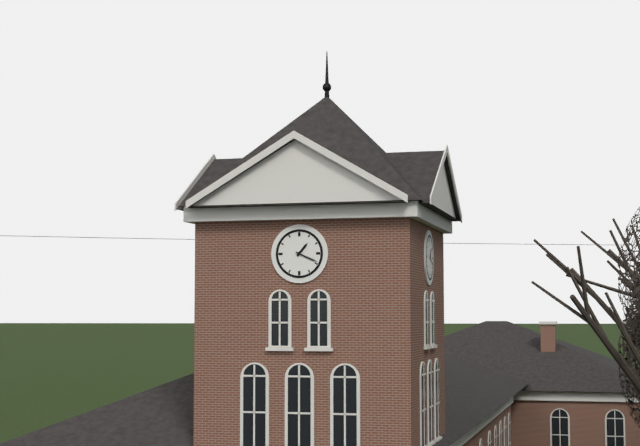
1:19
